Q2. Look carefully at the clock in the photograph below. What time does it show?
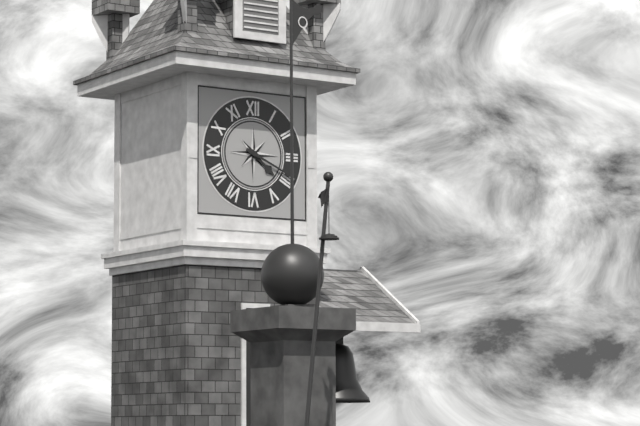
4:19
